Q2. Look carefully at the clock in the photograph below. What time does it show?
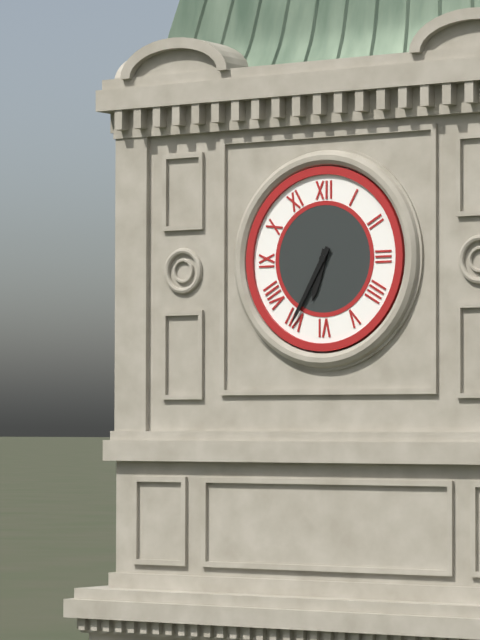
6:35
